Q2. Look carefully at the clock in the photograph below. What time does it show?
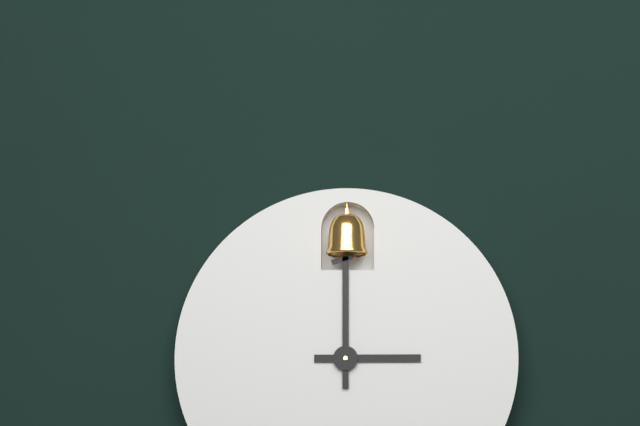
3:00
